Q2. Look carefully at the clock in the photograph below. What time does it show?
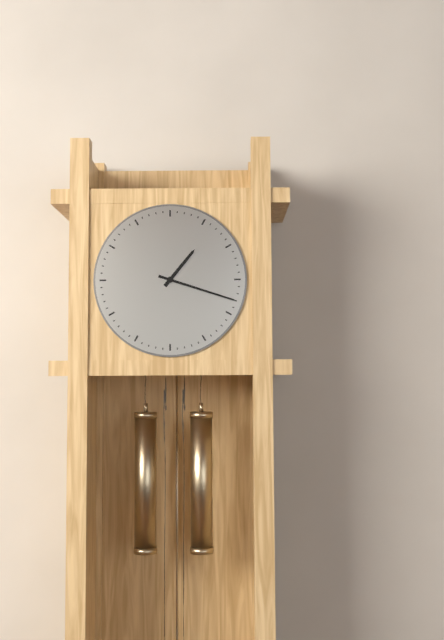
1:18
